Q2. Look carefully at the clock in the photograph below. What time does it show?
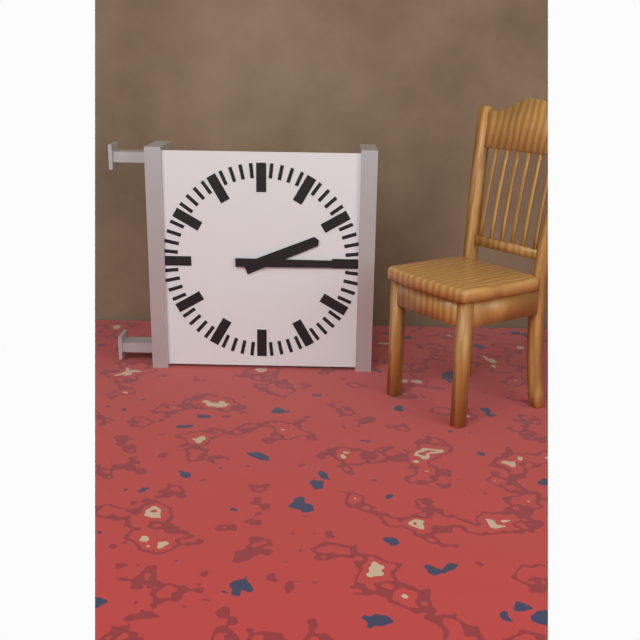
2:15
